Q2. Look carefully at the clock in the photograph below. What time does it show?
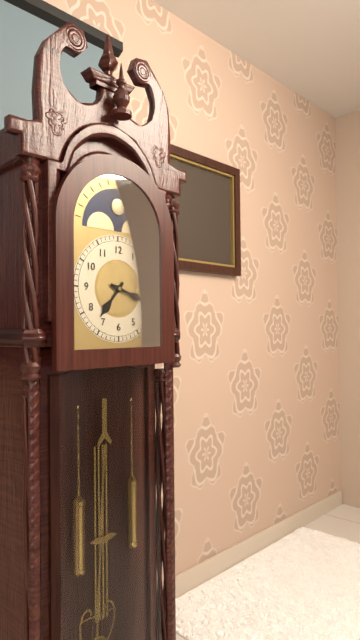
7:18
